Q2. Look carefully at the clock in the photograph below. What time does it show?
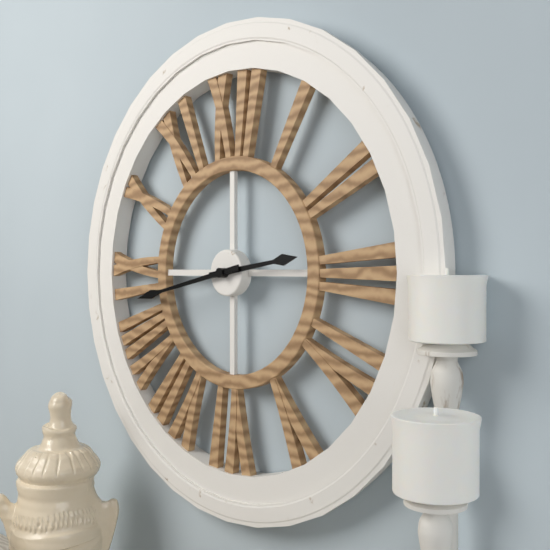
2:43
